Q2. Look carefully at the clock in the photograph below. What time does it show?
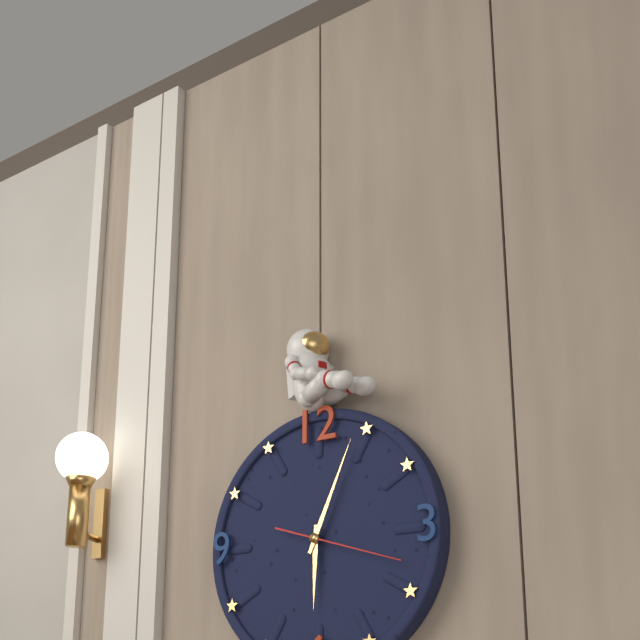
6:04:18
